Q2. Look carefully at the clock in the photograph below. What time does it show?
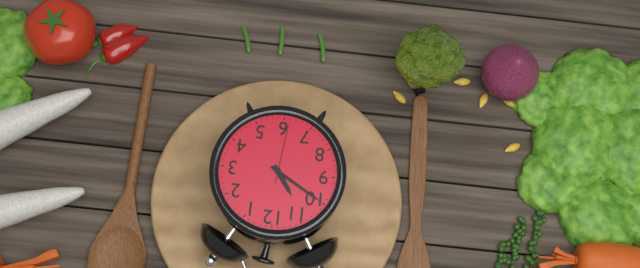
10:50:31
